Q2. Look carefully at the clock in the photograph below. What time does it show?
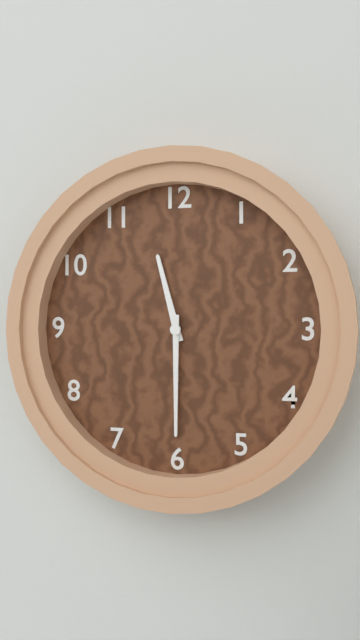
11:30
